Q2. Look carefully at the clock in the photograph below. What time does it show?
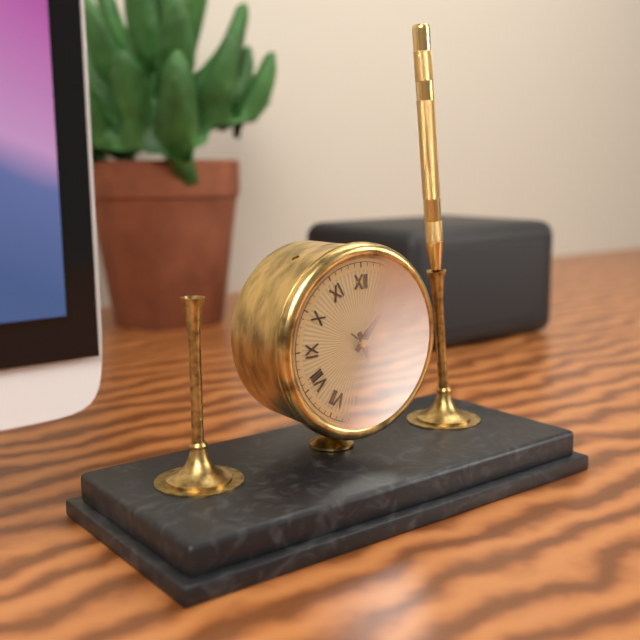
1:26:21
